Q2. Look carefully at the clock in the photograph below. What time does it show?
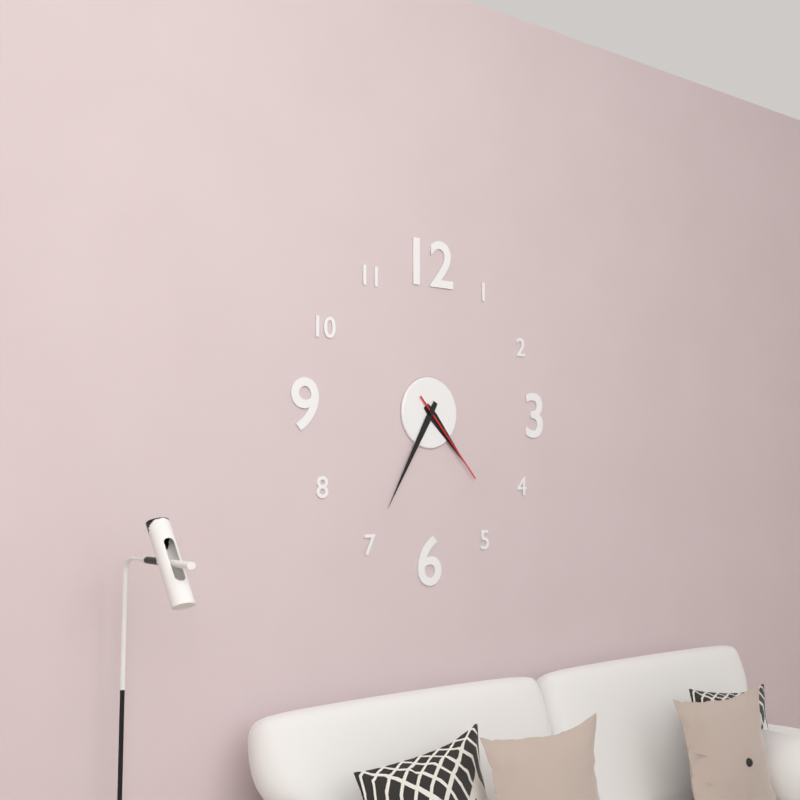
4:35:23
